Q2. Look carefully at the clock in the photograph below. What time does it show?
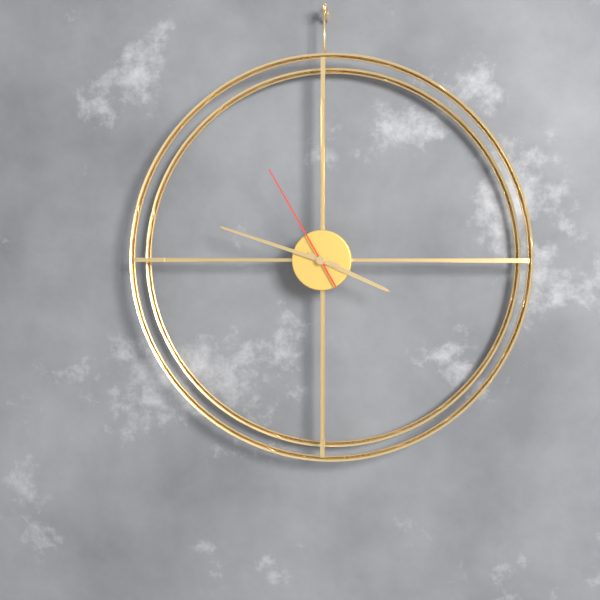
3:48:55
